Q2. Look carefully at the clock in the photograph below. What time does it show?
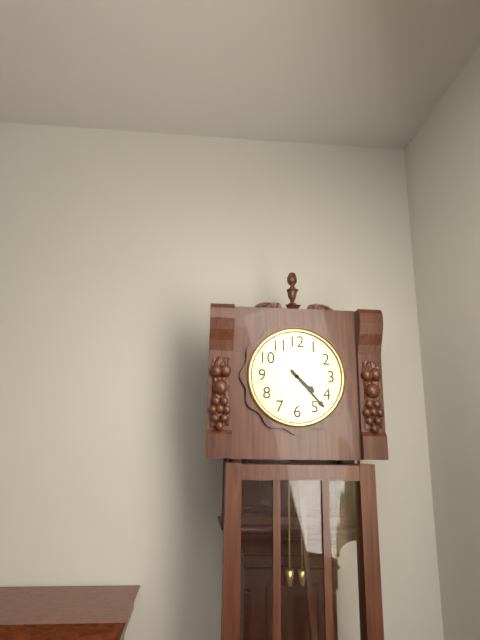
4:23
